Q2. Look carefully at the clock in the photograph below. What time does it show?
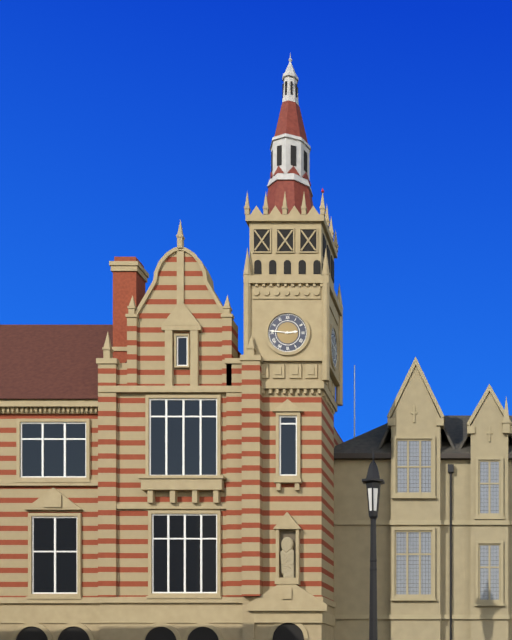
2:46
